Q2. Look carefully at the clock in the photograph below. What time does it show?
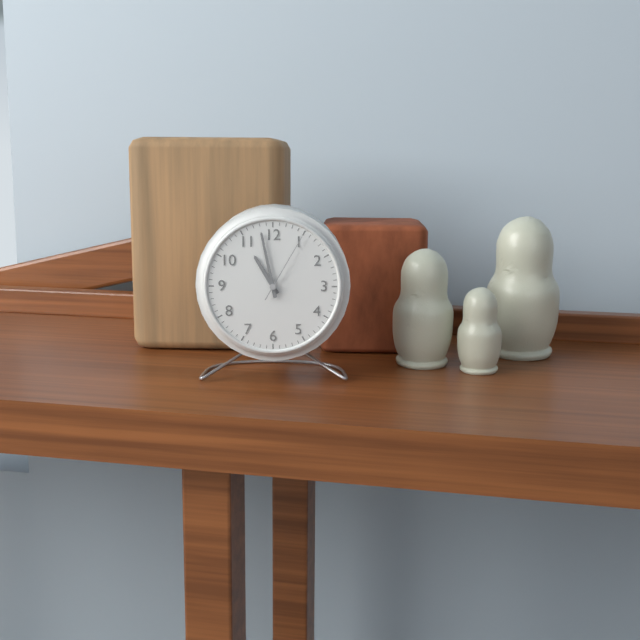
10:58:05
